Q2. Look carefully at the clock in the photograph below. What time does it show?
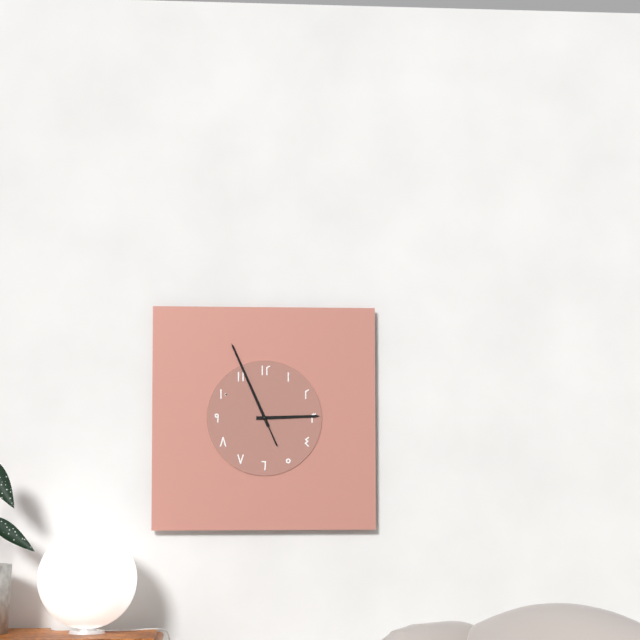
2:56:56
